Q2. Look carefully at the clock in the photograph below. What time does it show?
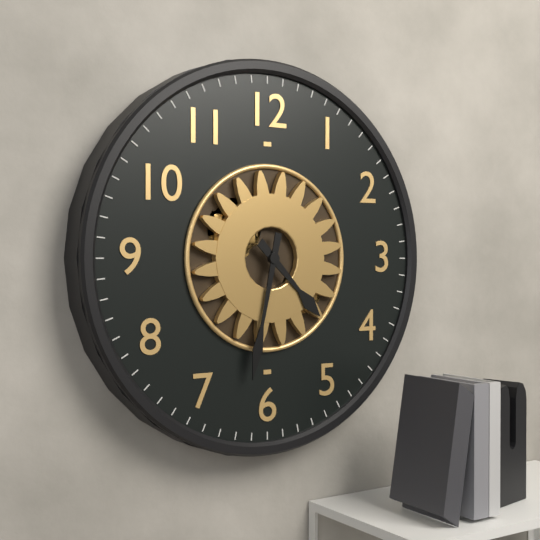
4:32
